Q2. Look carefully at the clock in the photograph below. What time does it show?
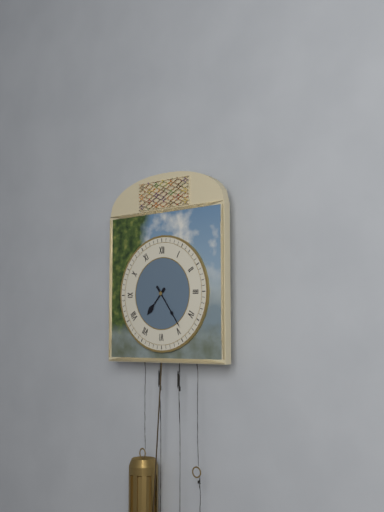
7:24
